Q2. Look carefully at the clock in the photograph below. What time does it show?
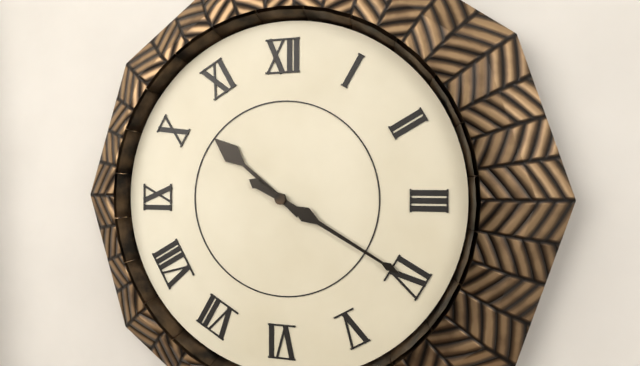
10:20
